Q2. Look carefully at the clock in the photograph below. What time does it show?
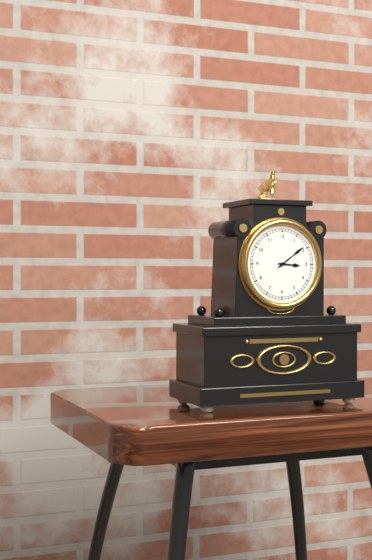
3:09
